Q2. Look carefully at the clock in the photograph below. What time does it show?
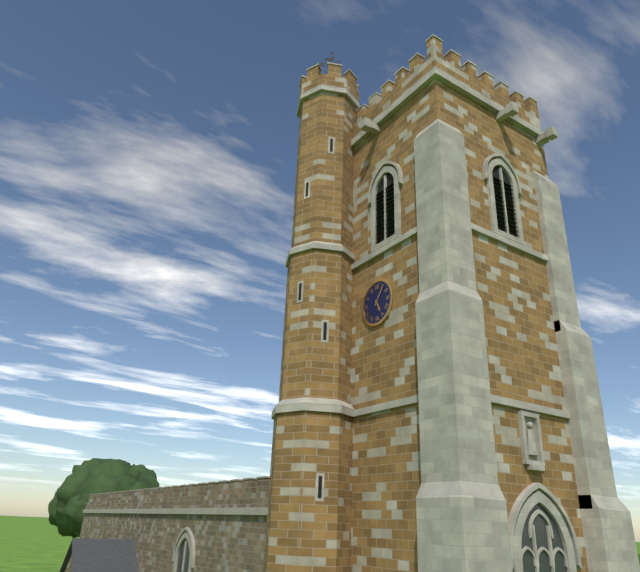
5:06
